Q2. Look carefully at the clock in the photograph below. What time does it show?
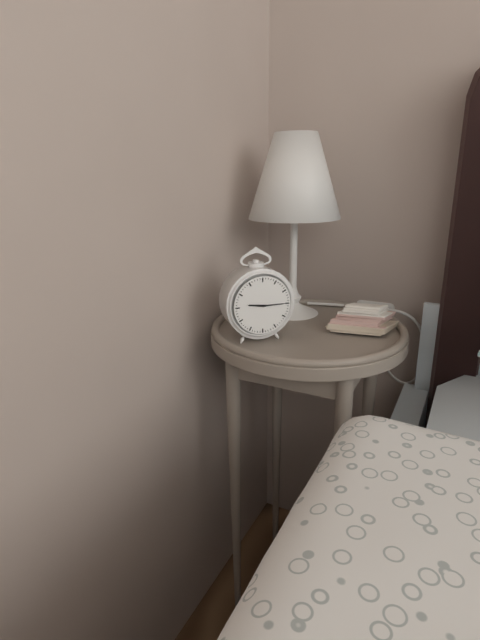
9:15
